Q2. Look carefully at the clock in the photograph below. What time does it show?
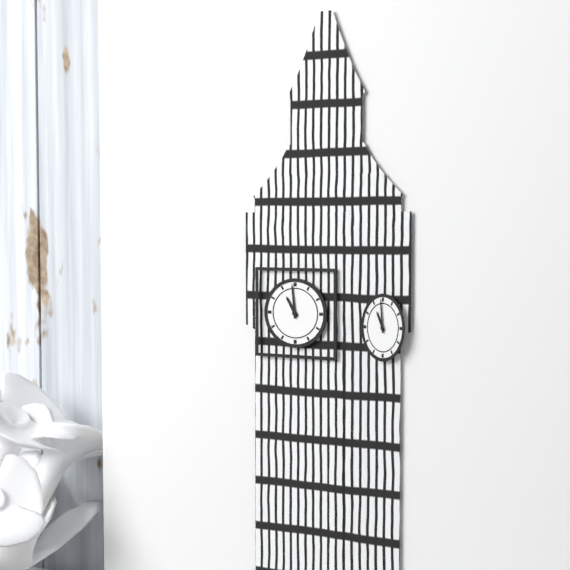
10:59
